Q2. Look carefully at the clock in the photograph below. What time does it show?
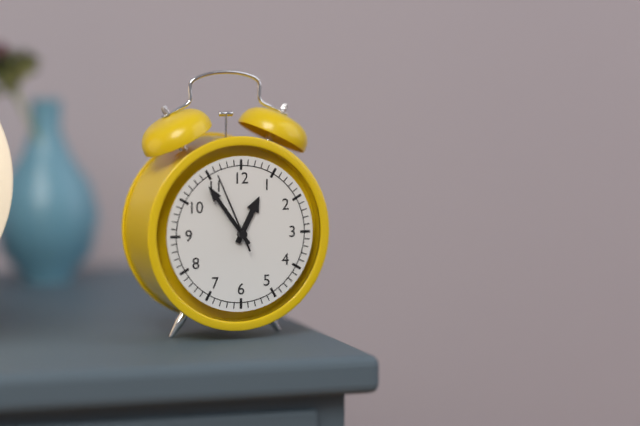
12:54:56
